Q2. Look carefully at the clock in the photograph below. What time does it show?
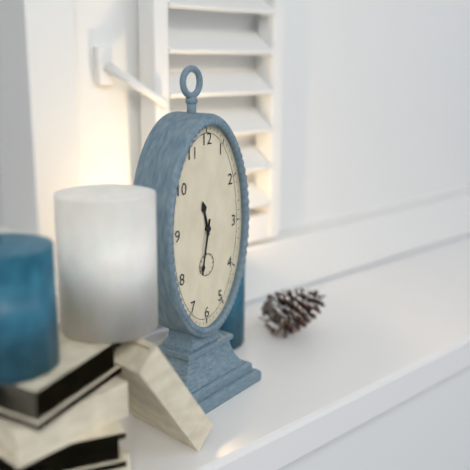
11:32
